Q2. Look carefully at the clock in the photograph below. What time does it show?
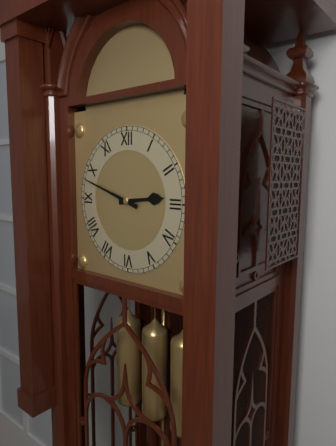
2:48
